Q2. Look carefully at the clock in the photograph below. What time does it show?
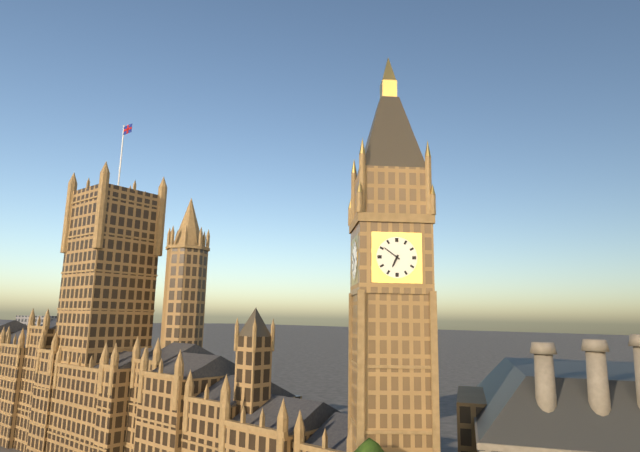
6:51
